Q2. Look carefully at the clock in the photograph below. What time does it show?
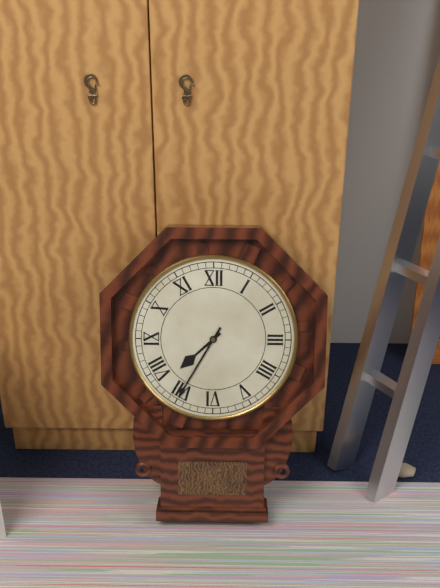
7:35
